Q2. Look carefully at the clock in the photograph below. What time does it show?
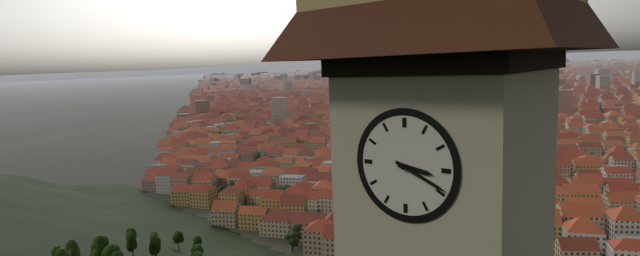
3:19
